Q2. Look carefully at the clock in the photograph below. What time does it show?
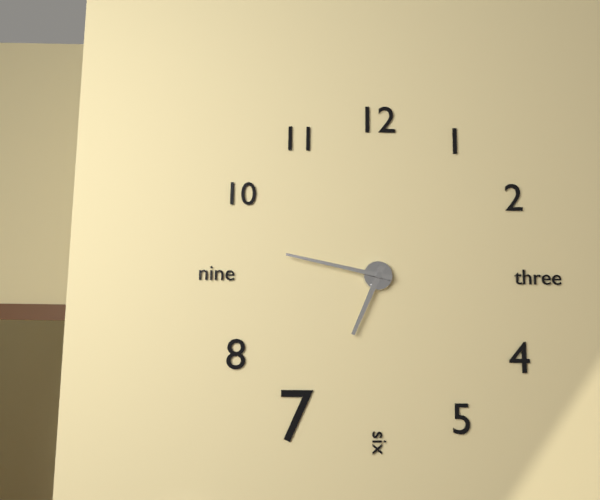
6:47
